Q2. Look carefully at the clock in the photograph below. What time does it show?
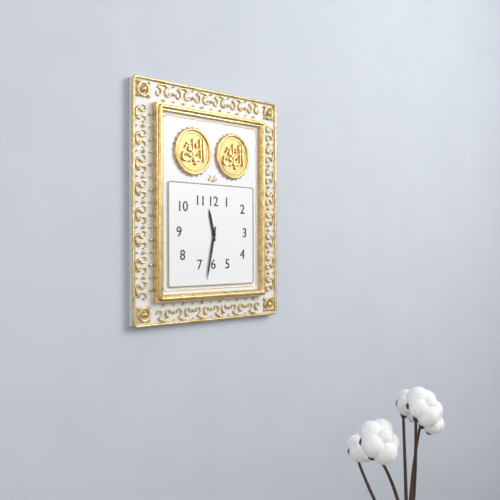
11:32
